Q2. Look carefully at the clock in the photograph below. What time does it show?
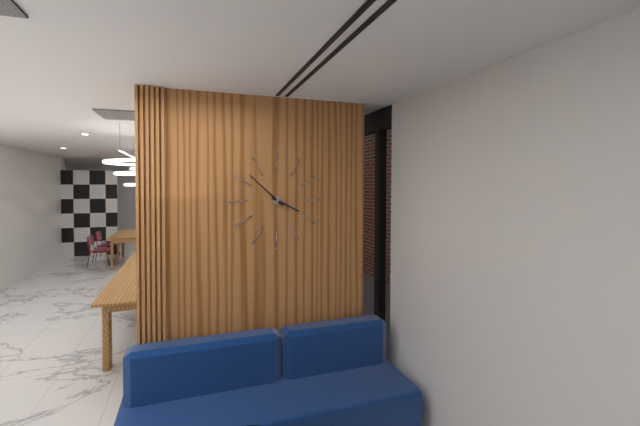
3:52
